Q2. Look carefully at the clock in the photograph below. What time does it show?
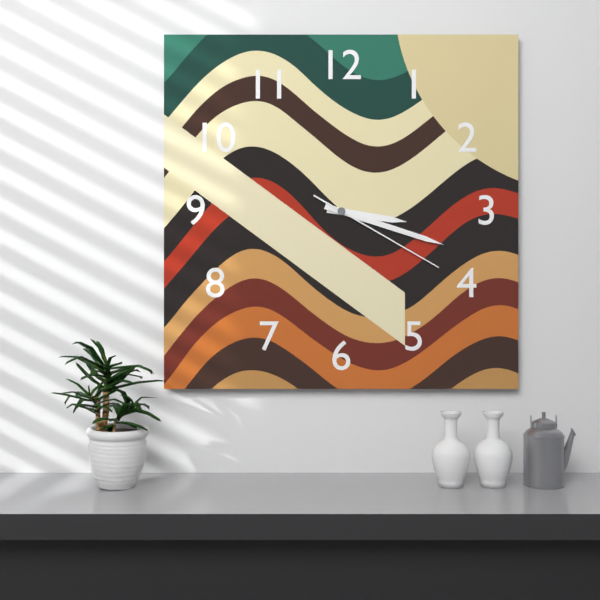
3:18:20
